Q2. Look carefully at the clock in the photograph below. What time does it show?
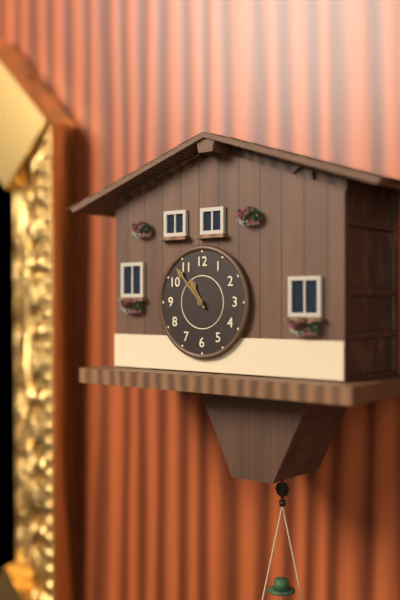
10:53
